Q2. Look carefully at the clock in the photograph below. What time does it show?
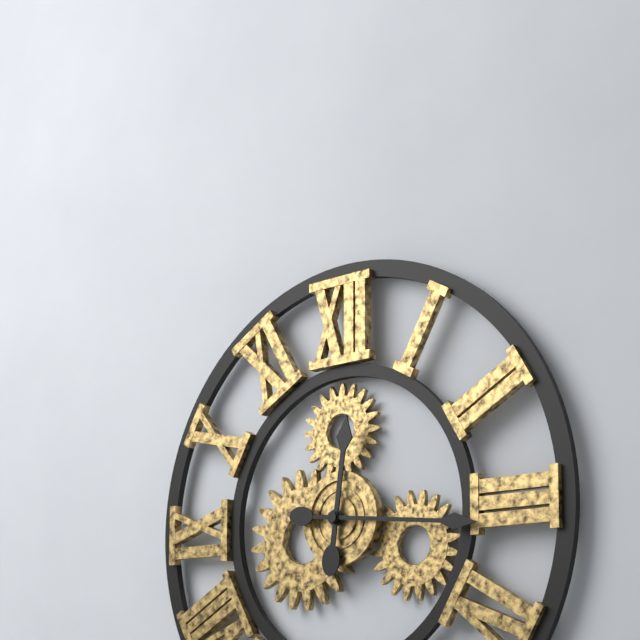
12:16
